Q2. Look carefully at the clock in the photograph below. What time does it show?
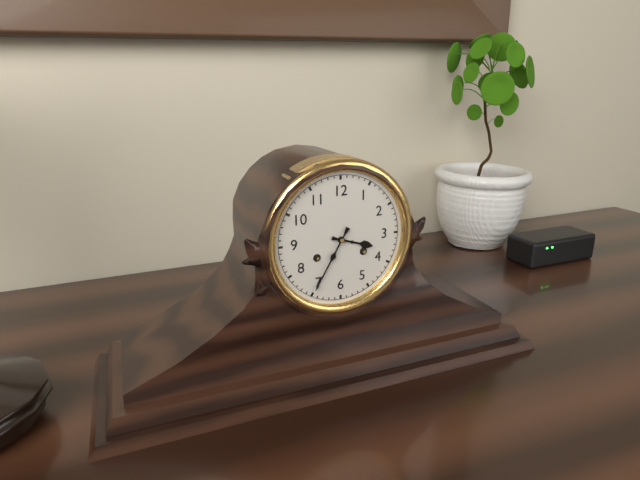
3:35
